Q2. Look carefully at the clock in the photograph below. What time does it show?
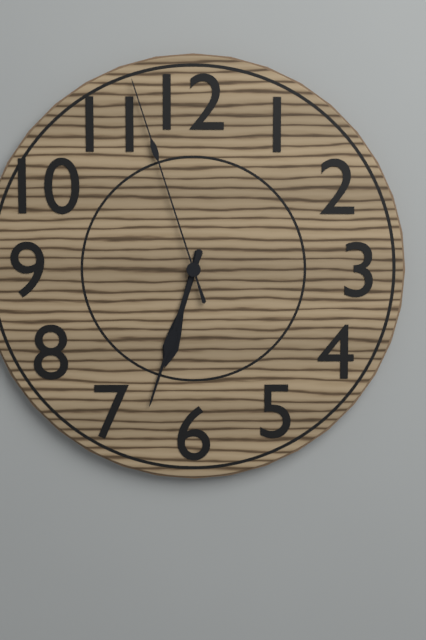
6:33:57
